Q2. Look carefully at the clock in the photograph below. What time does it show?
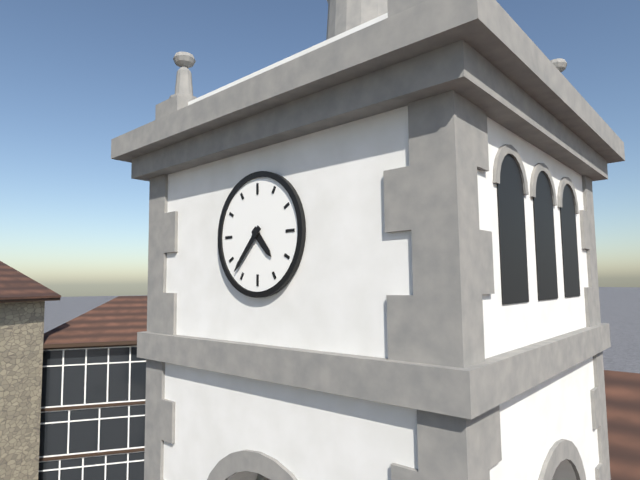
4:37
